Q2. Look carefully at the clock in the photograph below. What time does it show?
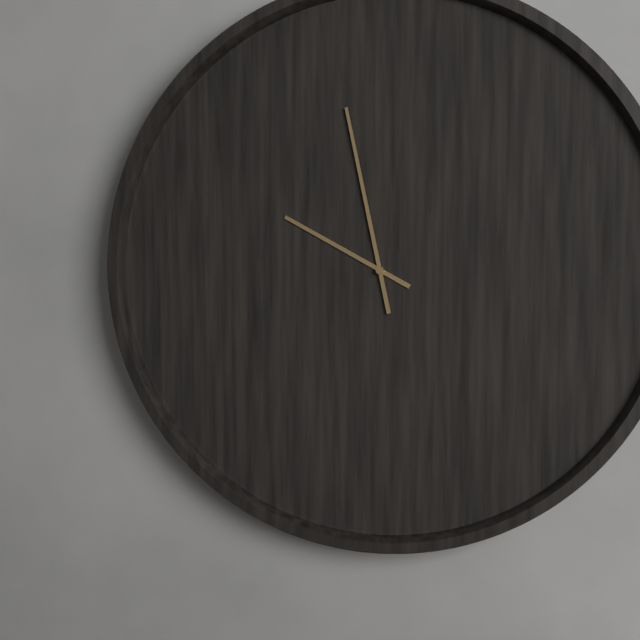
9:58
